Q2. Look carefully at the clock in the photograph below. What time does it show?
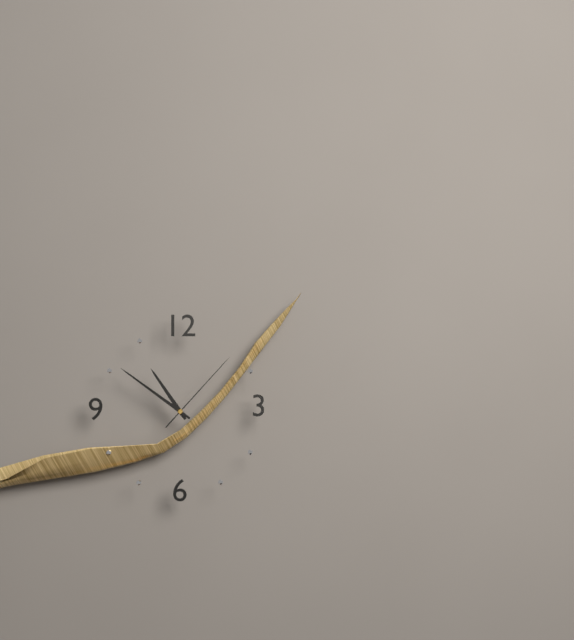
10:51:07
